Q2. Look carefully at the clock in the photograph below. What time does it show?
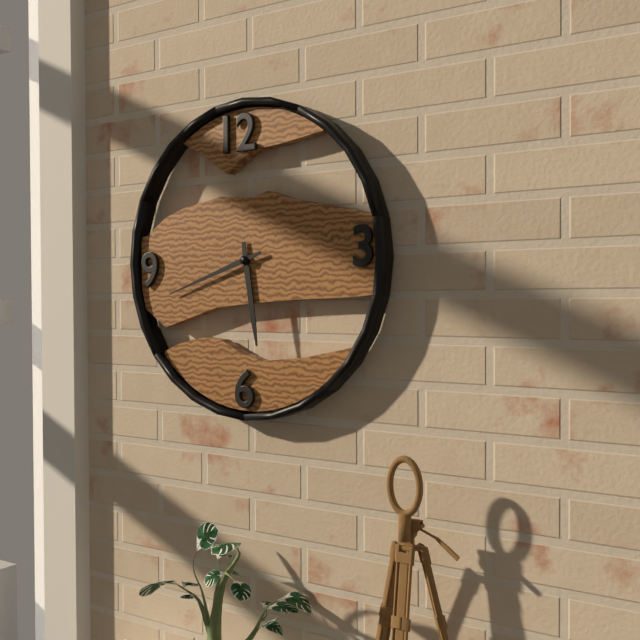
5:42
